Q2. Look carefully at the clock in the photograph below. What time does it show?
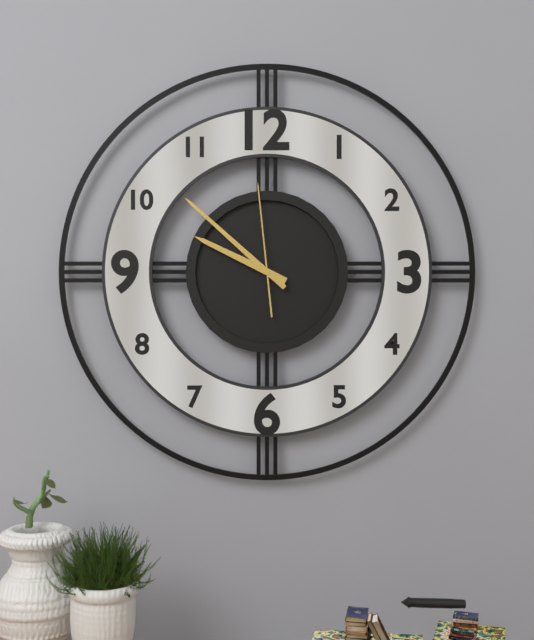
9:52:59
